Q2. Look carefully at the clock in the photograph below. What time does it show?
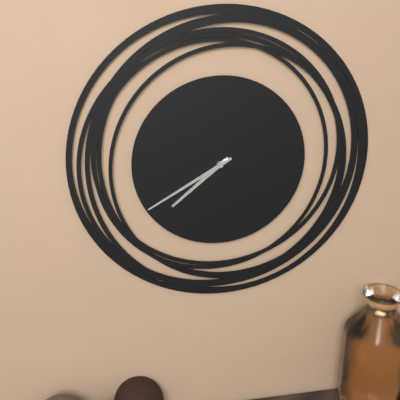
7:40
